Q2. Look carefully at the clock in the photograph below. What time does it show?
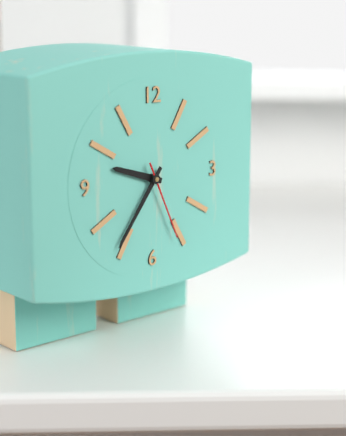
9:36:26
